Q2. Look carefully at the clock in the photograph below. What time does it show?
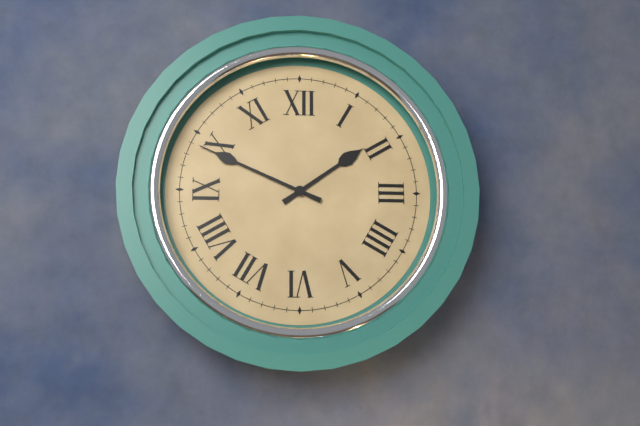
1:49
